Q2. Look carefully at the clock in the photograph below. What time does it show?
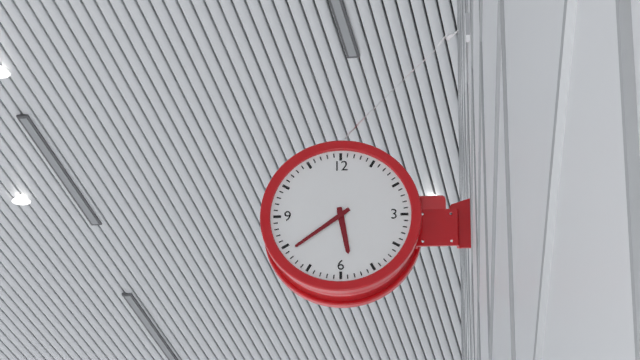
5:39
